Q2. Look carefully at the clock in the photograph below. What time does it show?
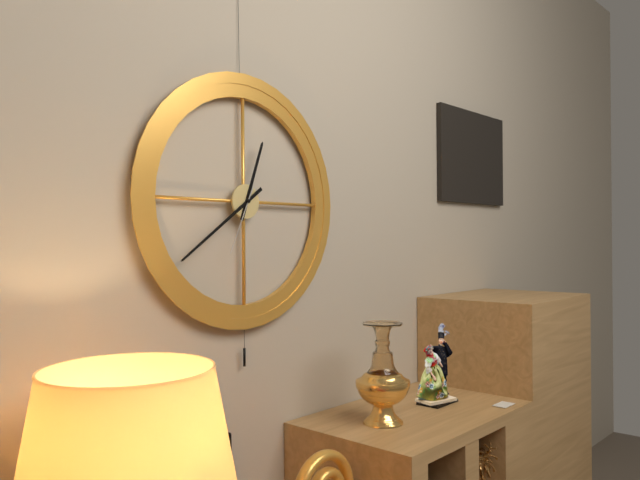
12:39:34
